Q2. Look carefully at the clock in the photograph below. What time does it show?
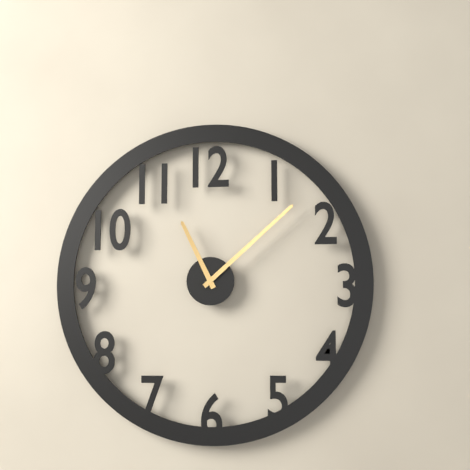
11:08
